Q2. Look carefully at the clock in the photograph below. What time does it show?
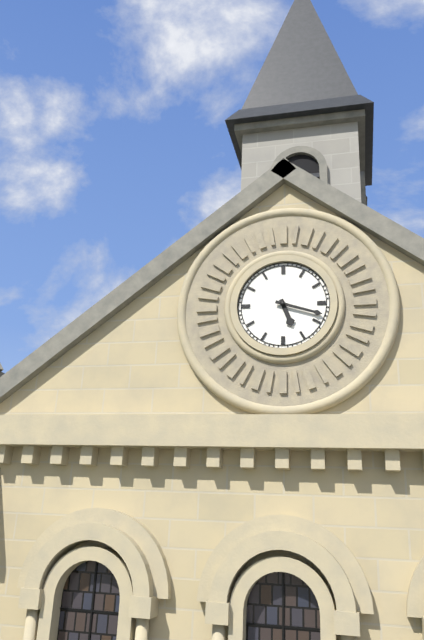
5:18
